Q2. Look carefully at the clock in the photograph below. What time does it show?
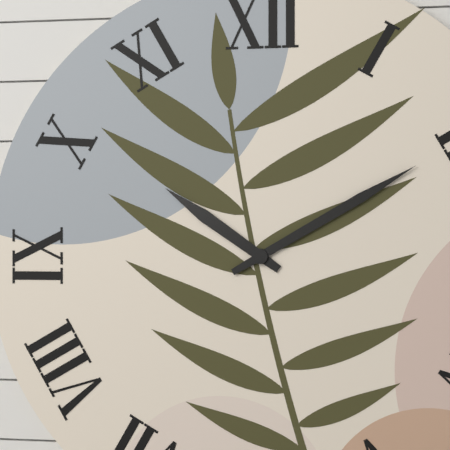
10:10
